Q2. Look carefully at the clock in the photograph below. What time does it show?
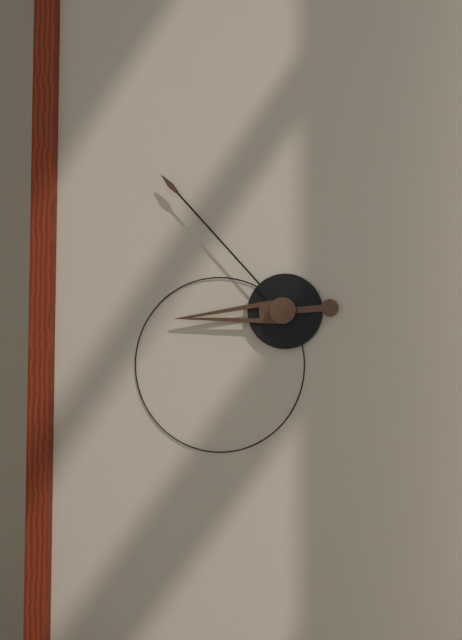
8:53
